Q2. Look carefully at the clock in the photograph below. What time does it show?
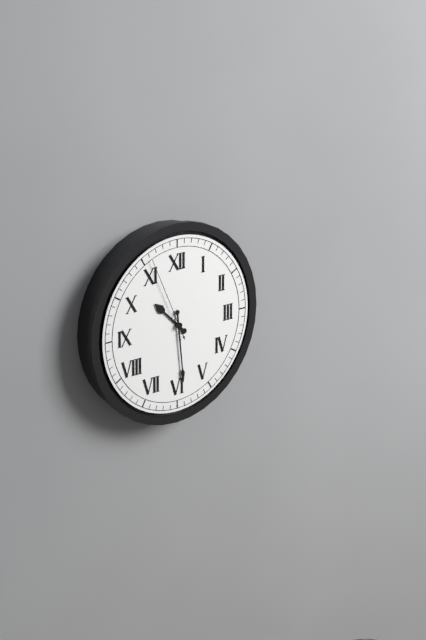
10:29:56
